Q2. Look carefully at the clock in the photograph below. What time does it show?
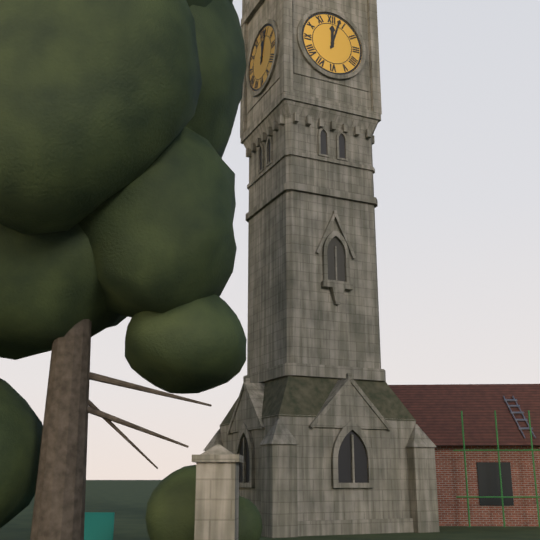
12:03
